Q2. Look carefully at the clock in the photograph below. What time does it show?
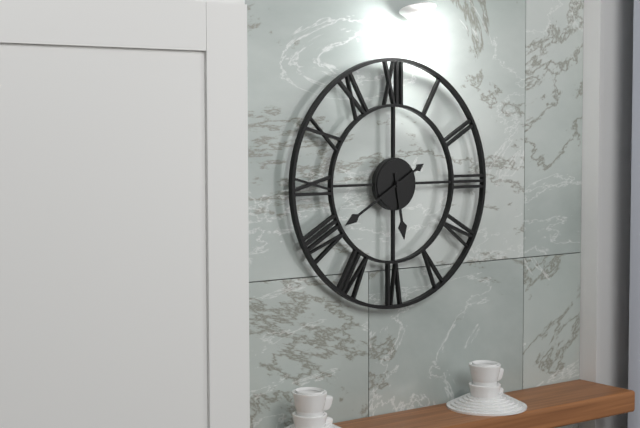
5:40
